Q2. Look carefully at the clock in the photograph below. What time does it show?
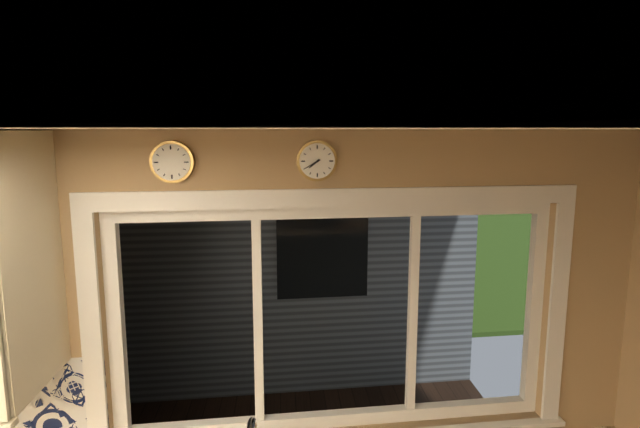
7:40
